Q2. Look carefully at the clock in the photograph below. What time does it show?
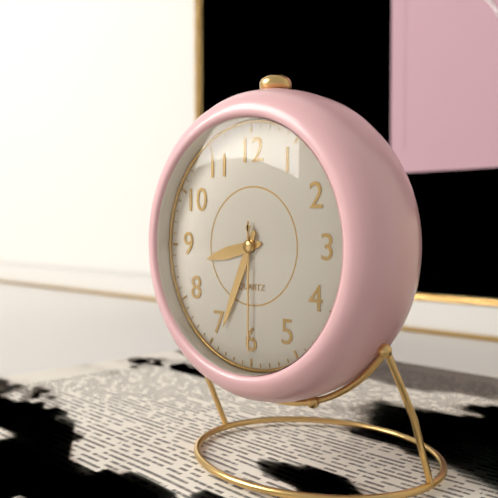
8:34:30
